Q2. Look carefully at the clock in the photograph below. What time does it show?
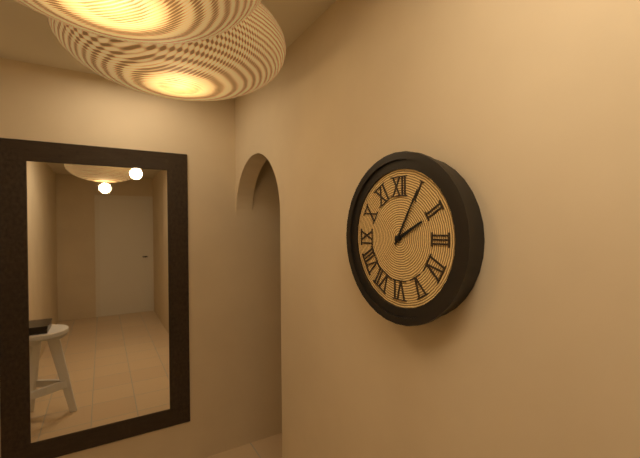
2:05
